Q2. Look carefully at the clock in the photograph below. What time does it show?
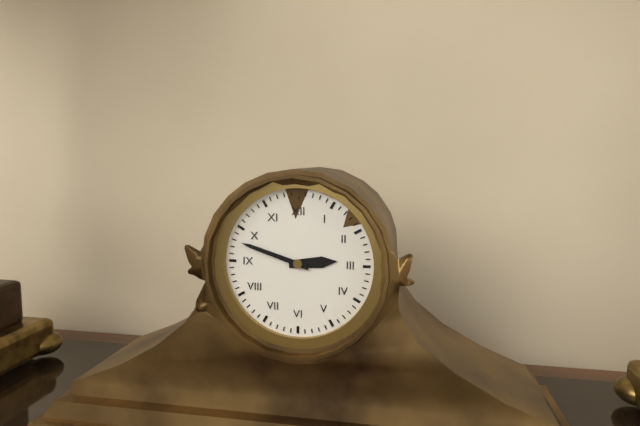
2:48
